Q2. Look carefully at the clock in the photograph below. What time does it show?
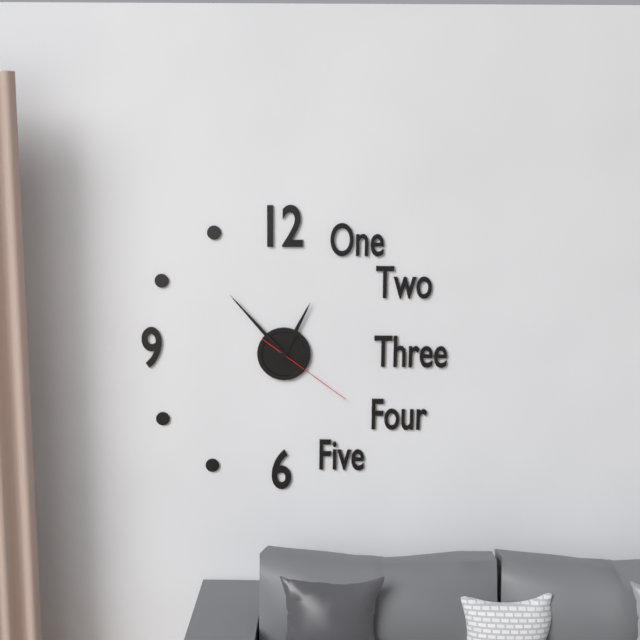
12:53:21
